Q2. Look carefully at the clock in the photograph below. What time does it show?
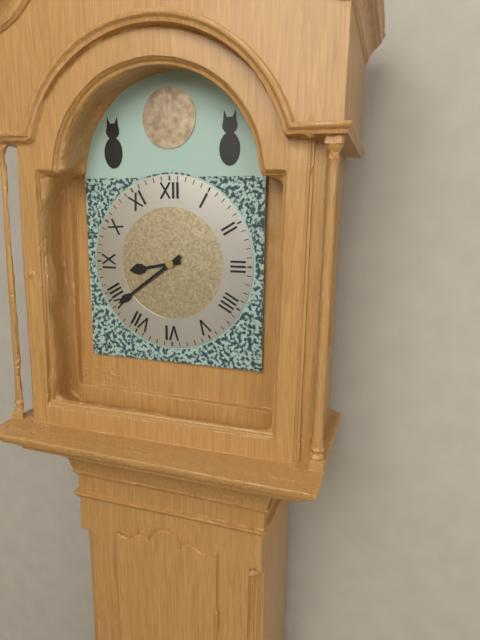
8:39
